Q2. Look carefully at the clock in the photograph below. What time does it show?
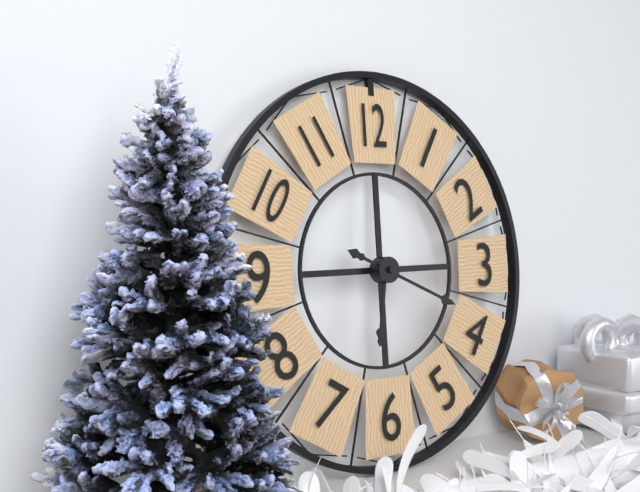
6:19
